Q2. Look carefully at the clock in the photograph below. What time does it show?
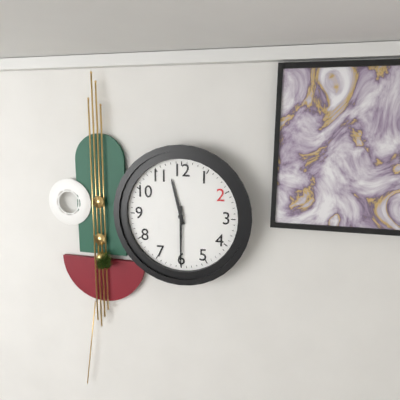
11:30
